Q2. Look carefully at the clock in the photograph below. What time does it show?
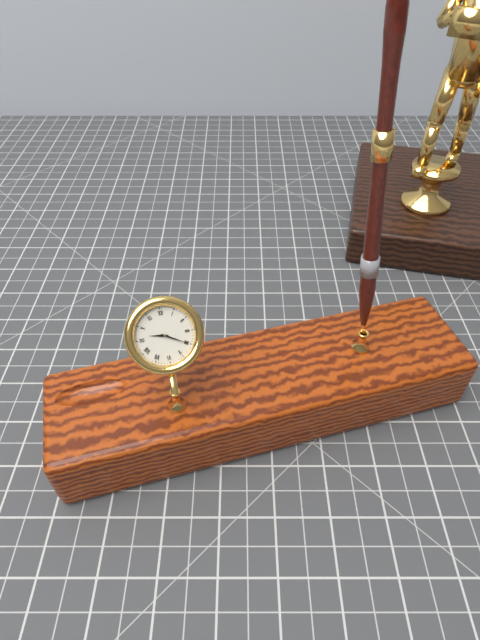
9:20
